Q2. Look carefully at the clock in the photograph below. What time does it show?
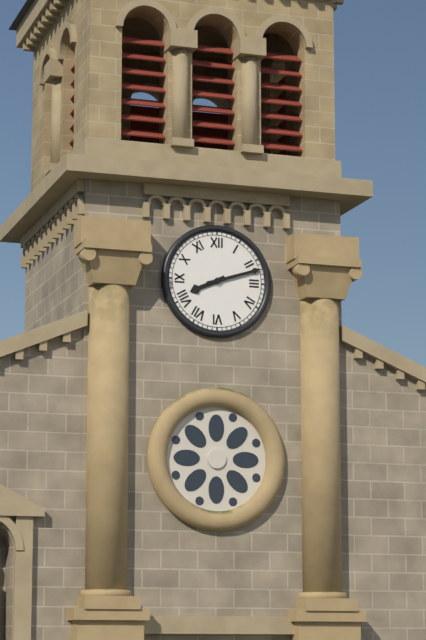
8:12
